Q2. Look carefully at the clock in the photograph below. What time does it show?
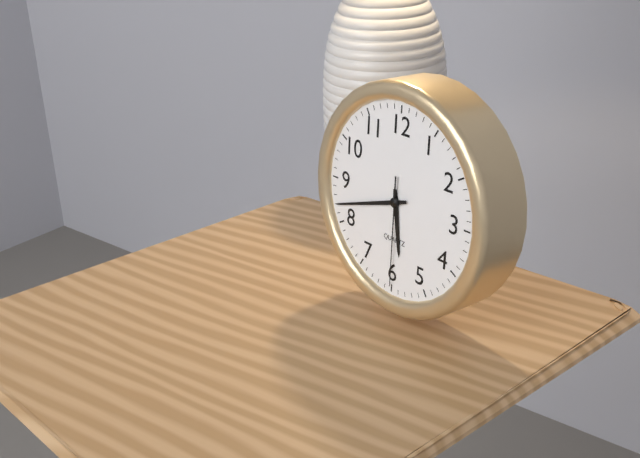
5:42:30
